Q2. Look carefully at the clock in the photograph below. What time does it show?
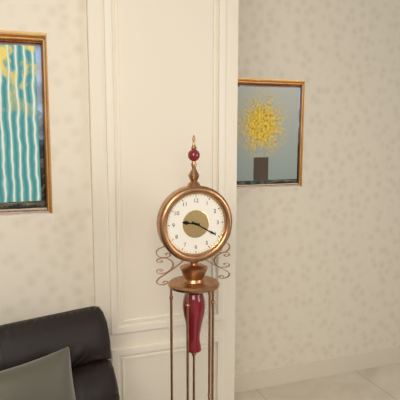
9:20
